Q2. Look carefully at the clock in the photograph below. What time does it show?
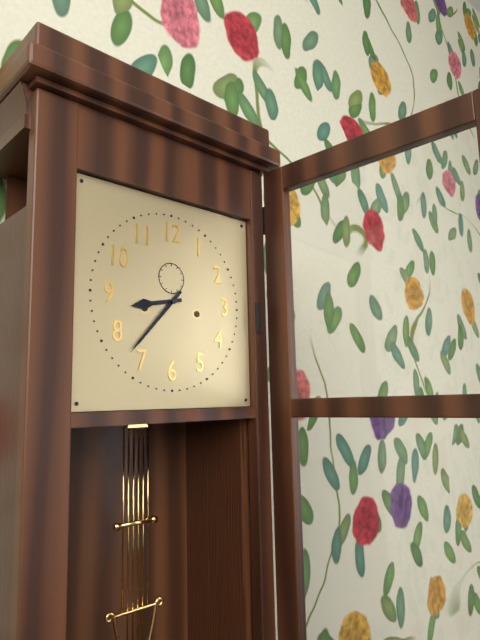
8:37
